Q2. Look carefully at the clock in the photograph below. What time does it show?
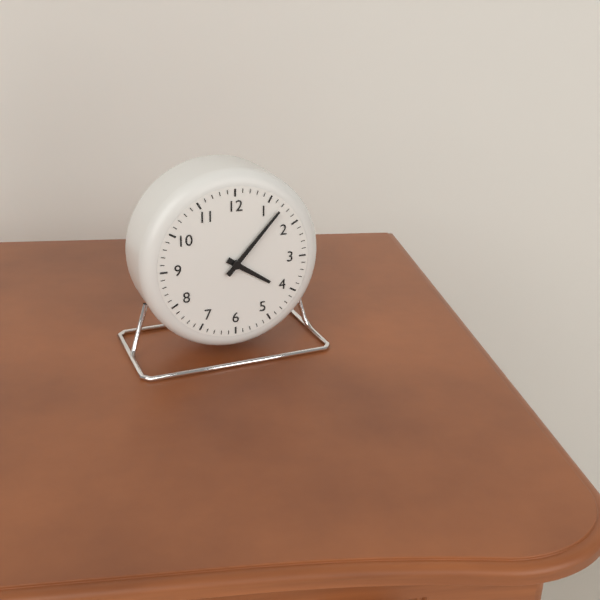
4:07
